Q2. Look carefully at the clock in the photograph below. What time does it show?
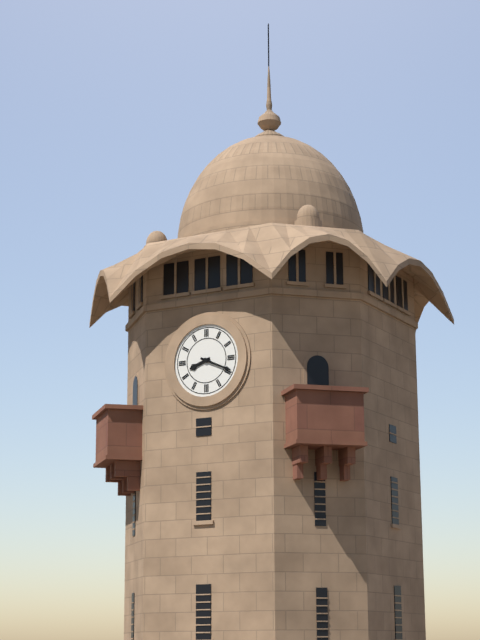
8:19
